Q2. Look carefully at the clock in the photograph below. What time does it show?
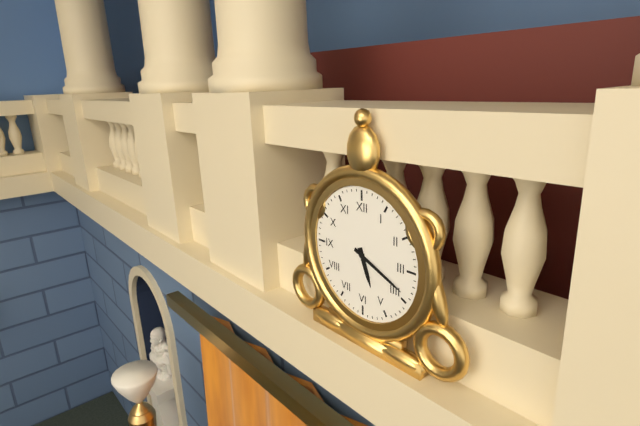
5:19
